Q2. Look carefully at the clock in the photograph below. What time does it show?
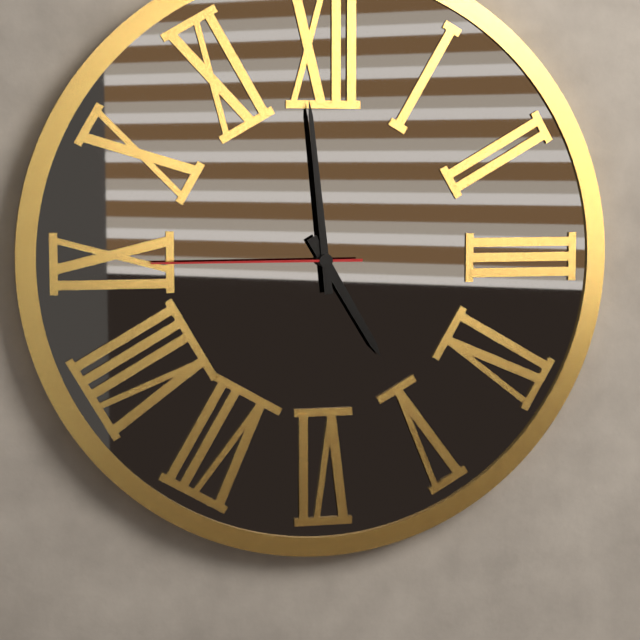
4:59:45
